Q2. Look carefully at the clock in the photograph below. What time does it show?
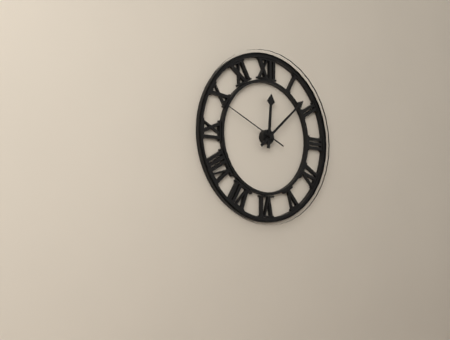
12:08:49
